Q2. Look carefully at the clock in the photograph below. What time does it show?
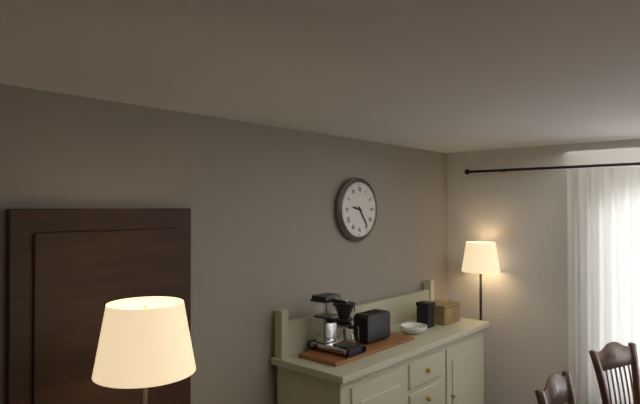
9:24
